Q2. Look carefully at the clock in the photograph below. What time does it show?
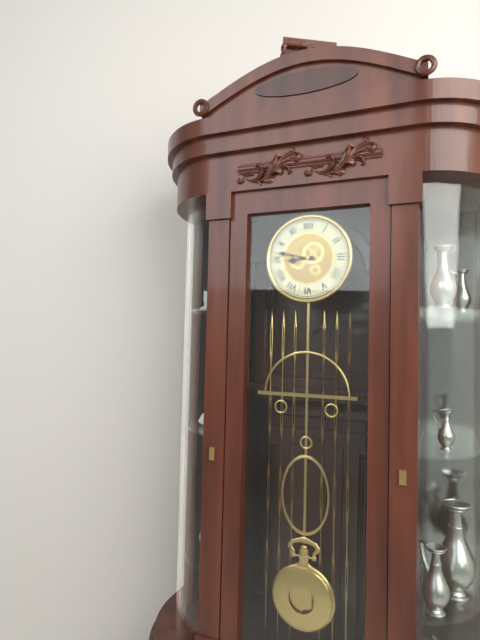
8:47
